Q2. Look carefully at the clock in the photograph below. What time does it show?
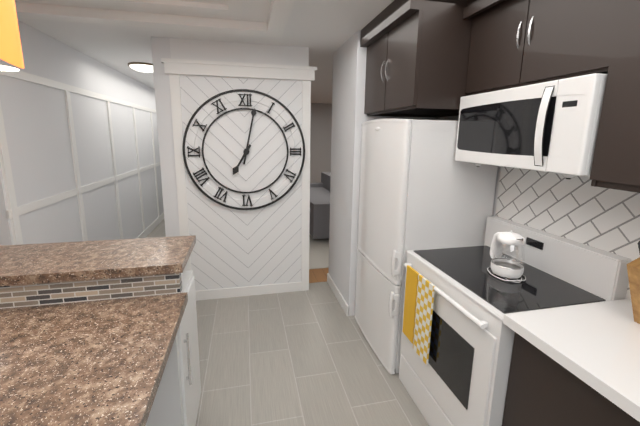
7:02
